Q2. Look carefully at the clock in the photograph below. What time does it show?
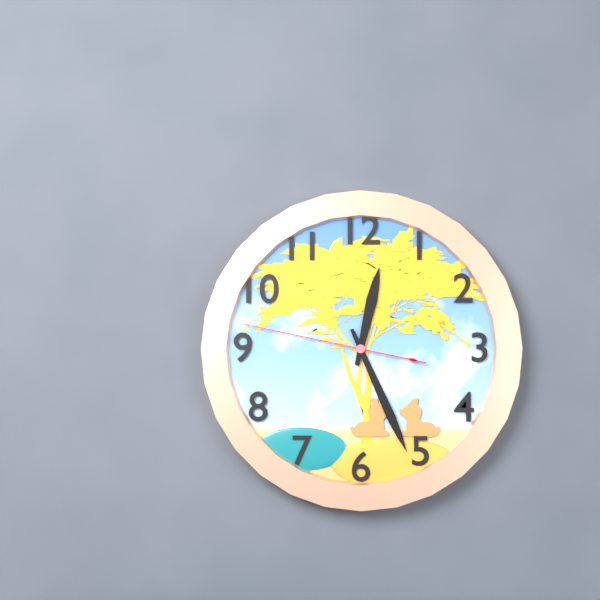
12:26:47
